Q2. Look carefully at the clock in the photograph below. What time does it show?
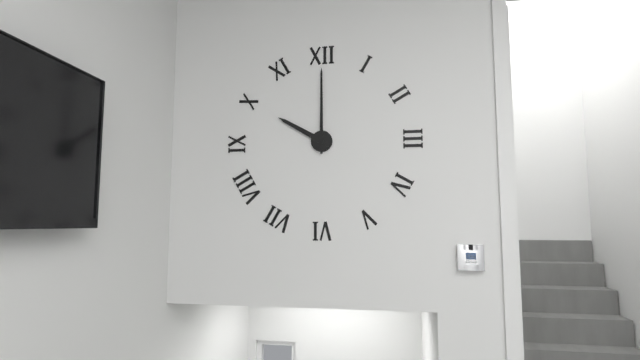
10:00
